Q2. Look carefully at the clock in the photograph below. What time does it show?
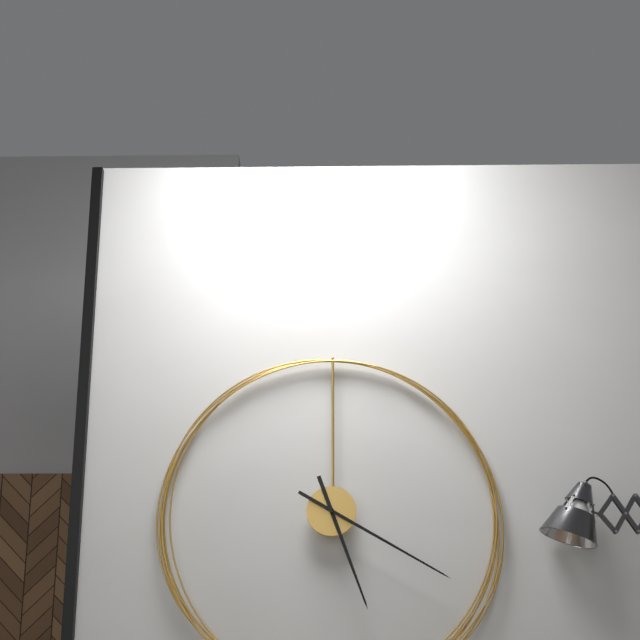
5:20
